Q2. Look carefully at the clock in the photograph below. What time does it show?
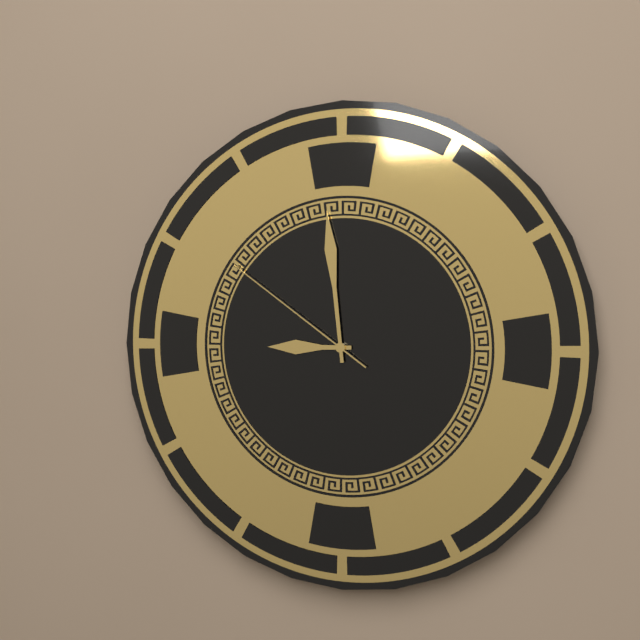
8:59:51
